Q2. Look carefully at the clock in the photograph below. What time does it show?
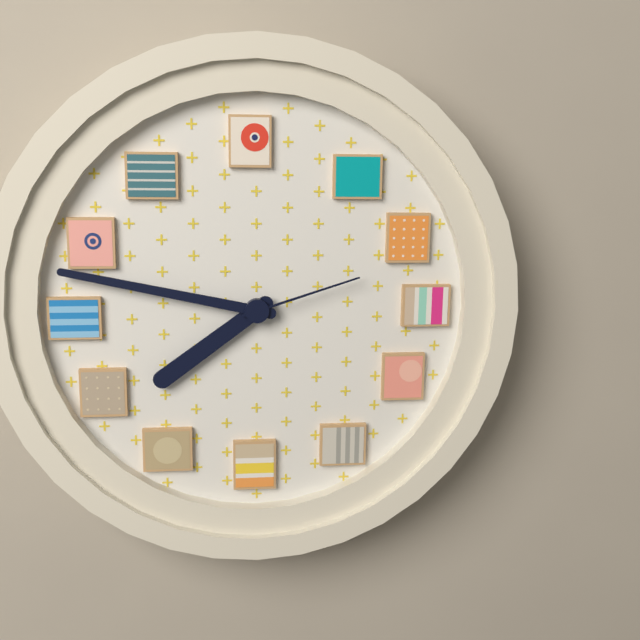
7:47:12
